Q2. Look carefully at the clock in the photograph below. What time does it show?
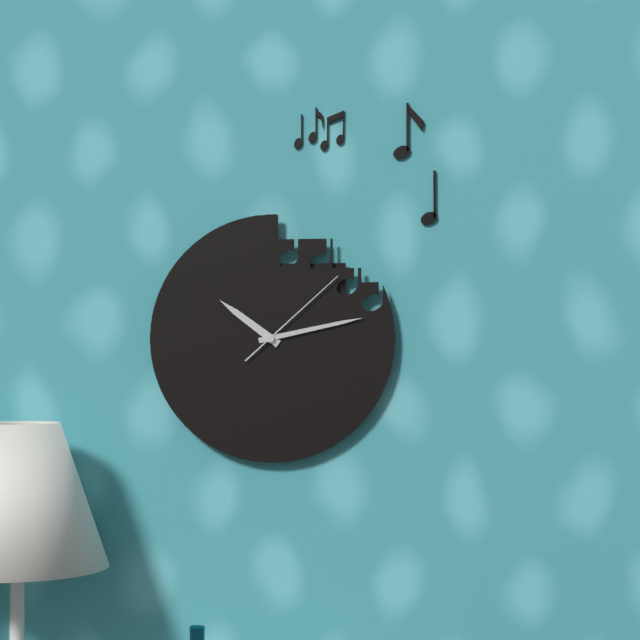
10:13:08
